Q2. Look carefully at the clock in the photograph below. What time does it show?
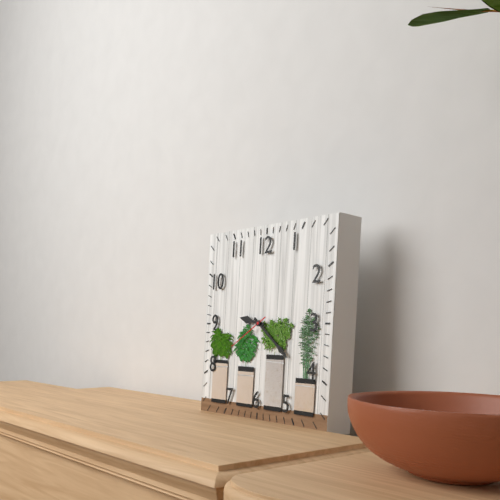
9:21
